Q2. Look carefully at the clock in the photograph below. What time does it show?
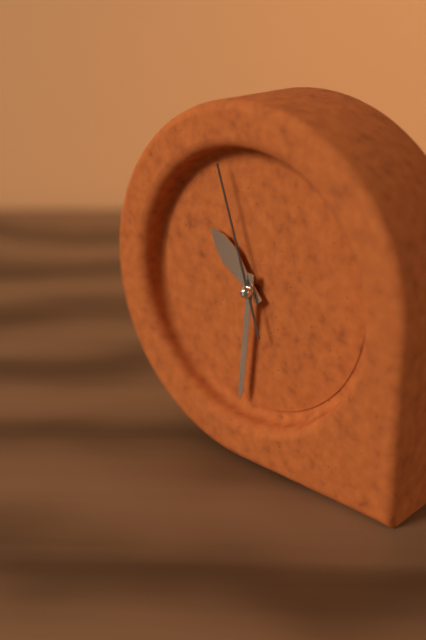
10:31:57
